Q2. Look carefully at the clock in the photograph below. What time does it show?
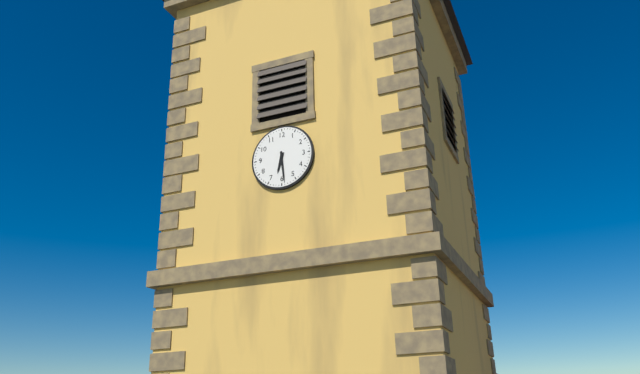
6:29
